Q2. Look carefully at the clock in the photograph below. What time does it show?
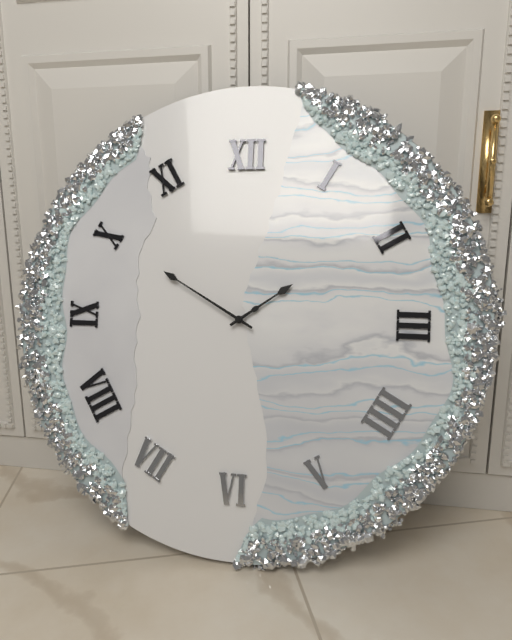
1:50
